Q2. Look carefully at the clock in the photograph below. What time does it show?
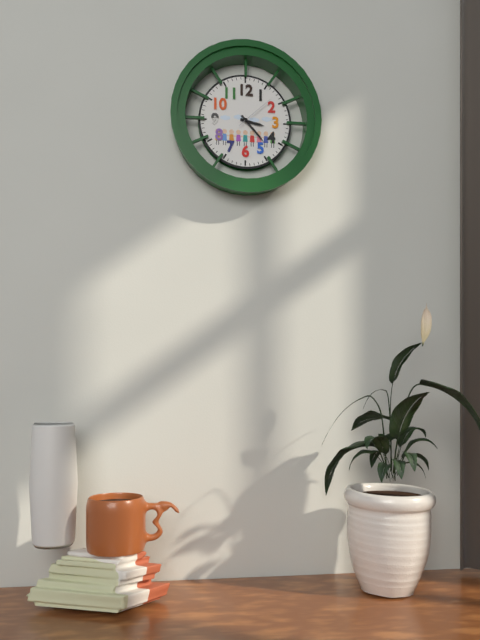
3:23
